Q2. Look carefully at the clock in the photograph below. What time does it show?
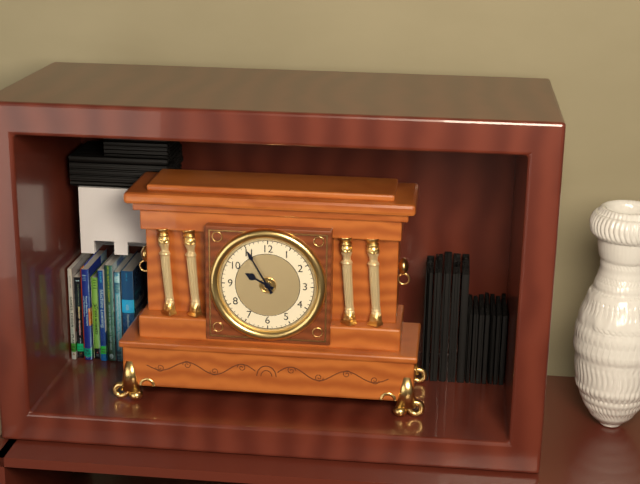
9:55
